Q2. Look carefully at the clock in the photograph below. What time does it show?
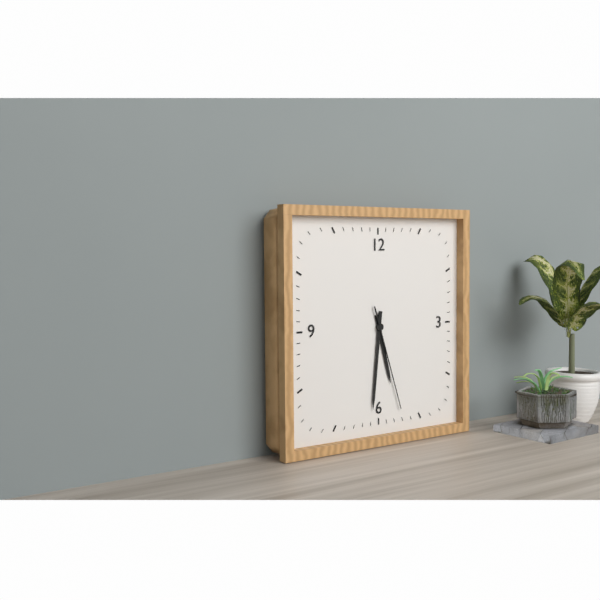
5:31:27
